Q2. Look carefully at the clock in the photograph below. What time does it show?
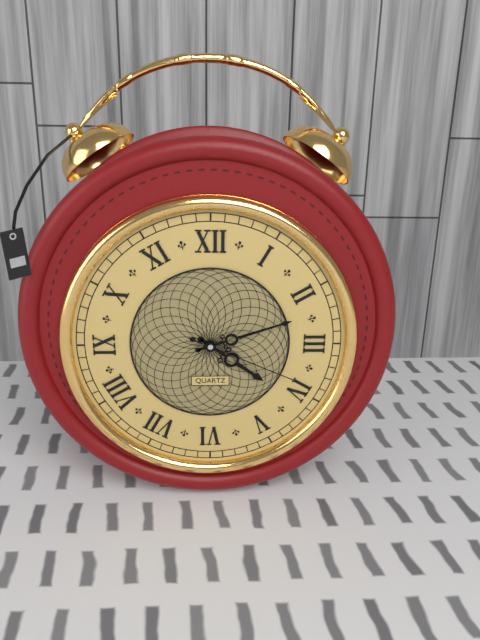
4:12:19
